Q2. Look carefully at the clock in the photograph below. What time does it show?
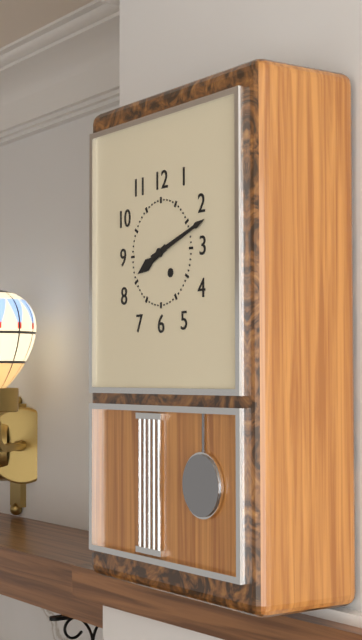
8:12
